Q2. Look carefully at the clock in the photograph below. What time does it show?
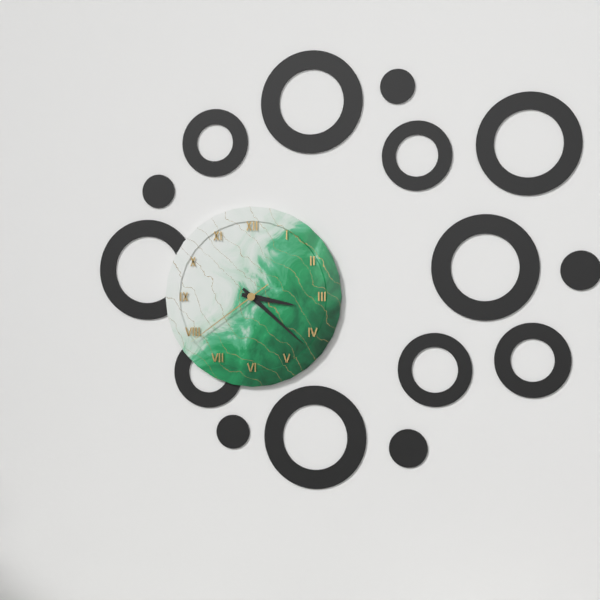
3:22:39
